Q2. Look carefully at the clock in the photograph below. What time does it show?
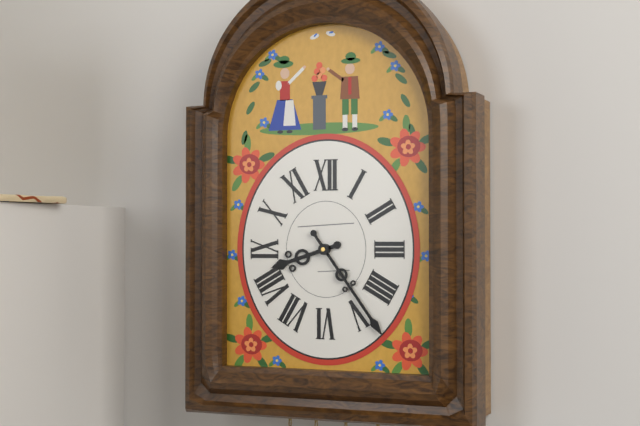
8:24
